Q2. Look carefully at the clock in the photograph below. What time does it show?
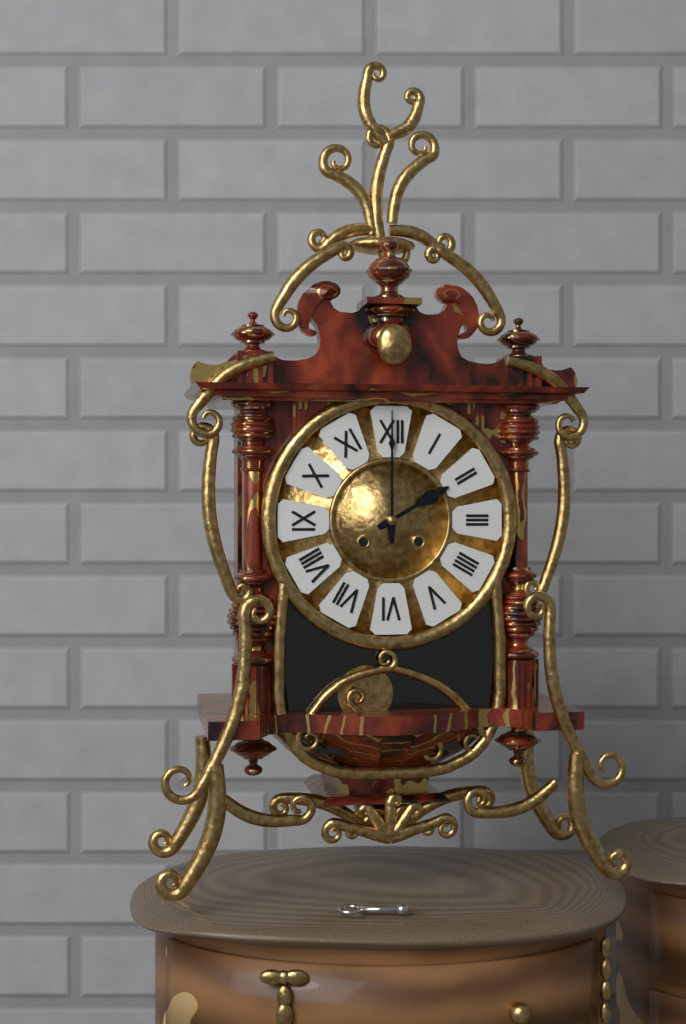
2:00
